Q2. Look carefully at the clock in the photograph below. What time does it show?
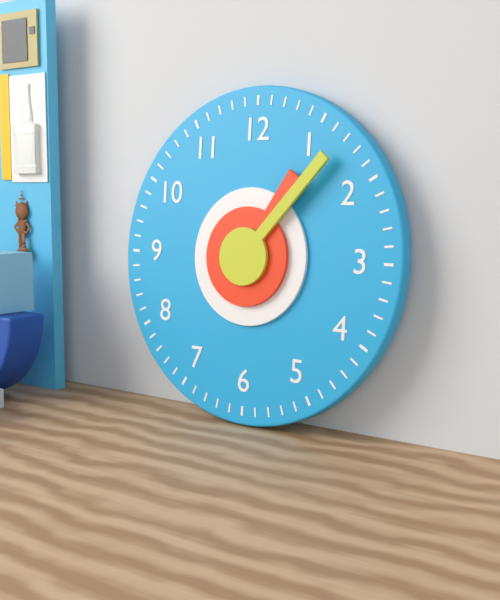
1:07
